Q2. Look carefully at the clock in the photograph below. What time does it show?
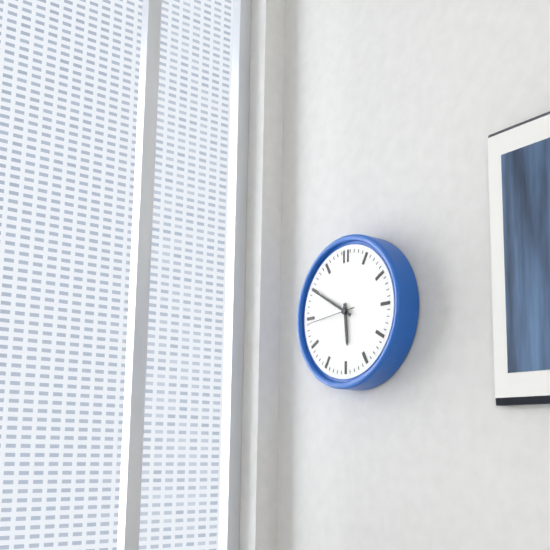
5:50:44
